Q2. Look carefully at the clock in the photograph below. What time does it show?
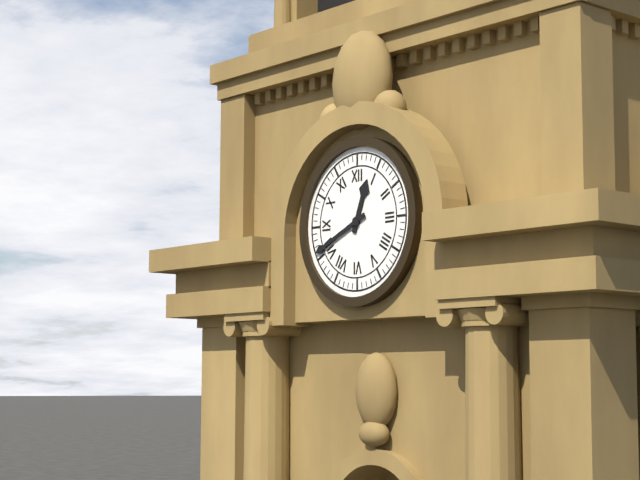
12:41
